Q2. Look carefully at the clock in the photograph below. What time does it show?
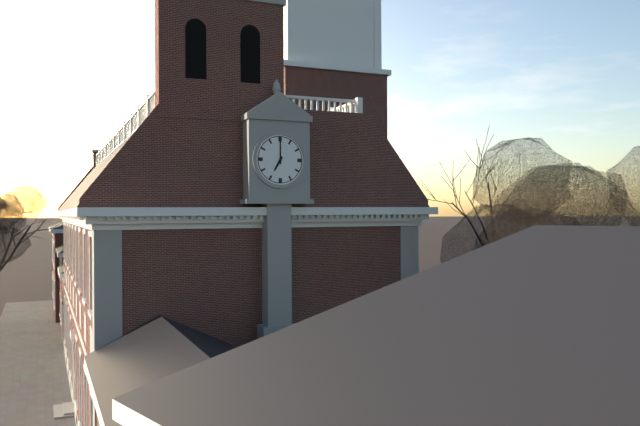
7:00
